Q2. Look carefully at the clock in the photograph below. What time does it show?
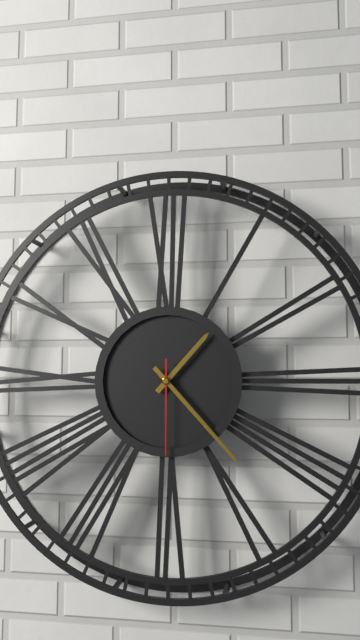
1:23:30
